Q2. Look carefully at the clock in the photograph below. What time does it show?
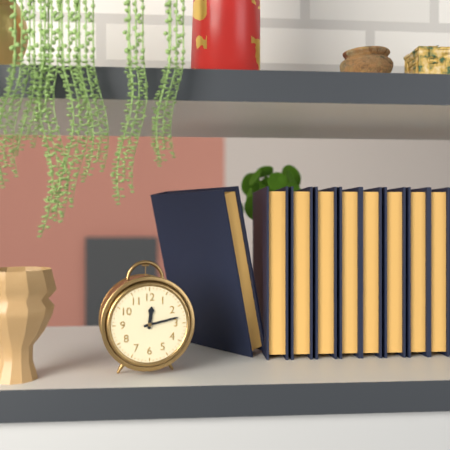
12:13
